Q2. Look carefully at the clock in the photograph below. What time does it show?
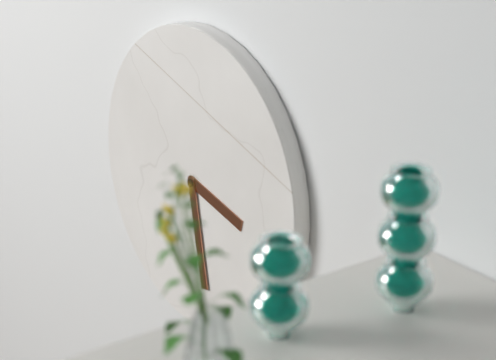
3:28
